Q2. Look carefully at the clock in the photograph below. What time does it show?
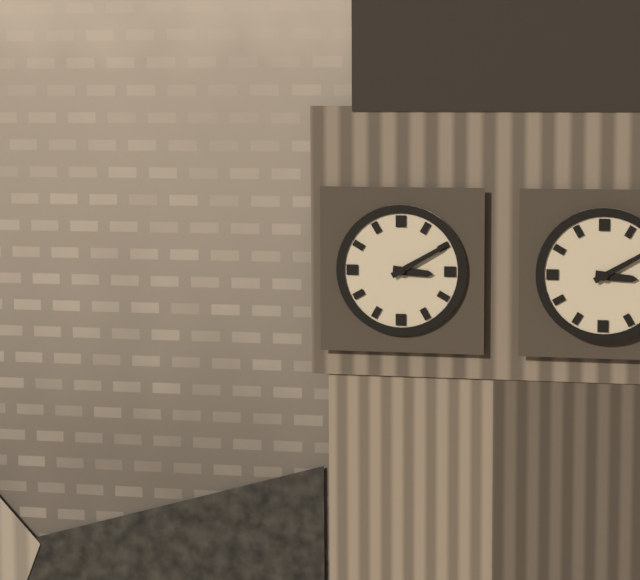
3:10
